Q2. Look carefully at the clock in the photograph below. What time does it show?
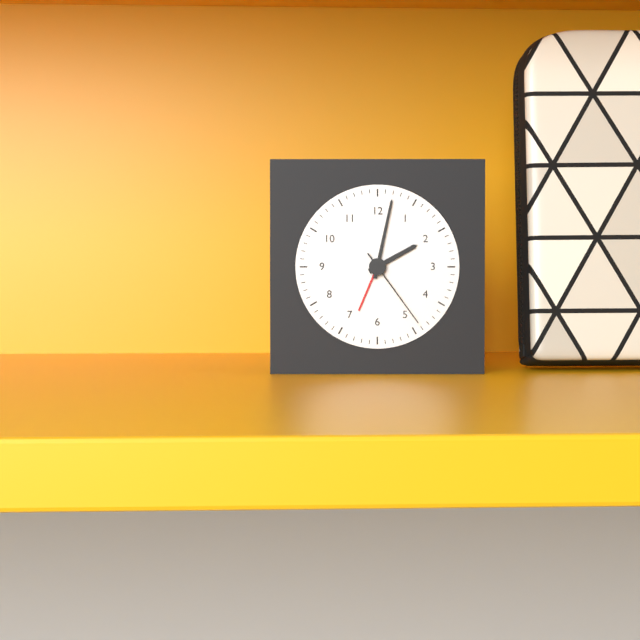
2:02:24
